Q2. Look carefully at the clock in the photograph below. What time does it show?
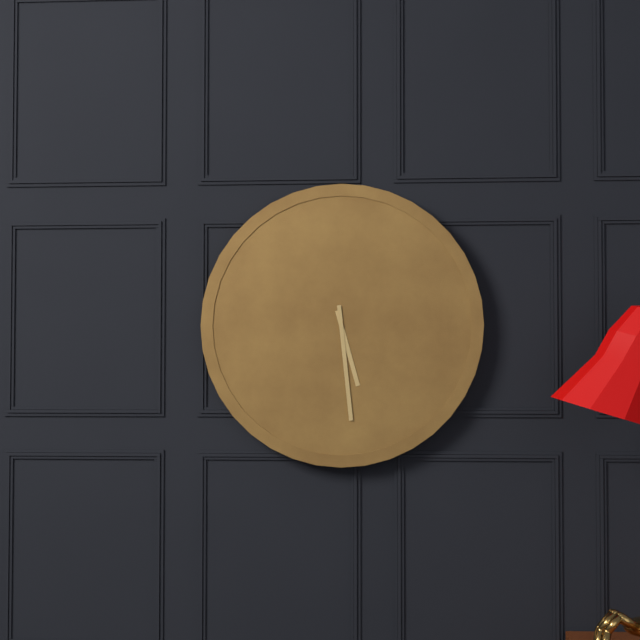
5:29
